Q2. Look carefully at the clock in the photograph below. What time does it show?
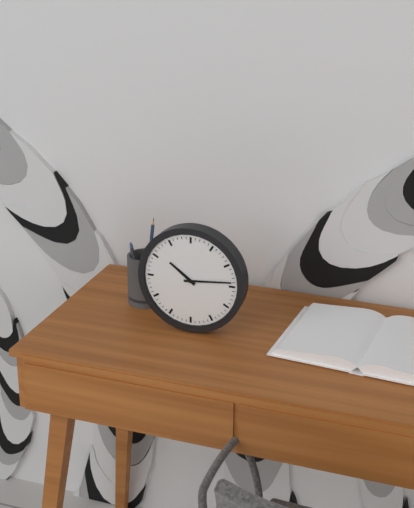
10:14
